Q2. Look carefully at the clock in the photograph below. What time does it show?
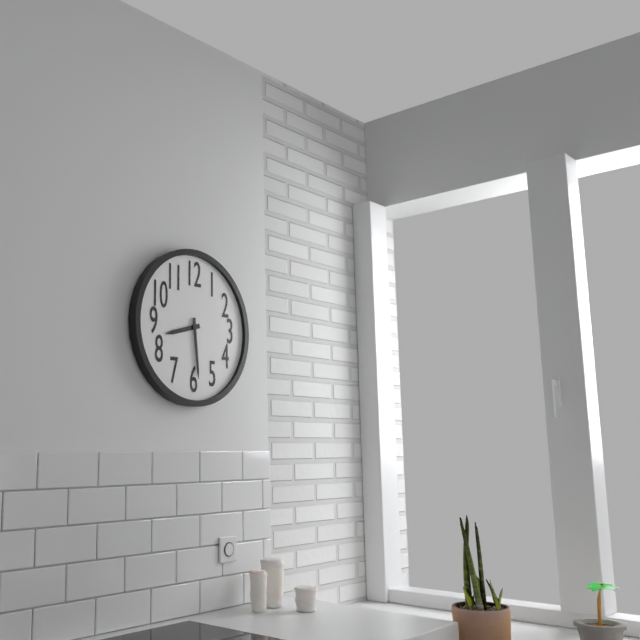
8:29
